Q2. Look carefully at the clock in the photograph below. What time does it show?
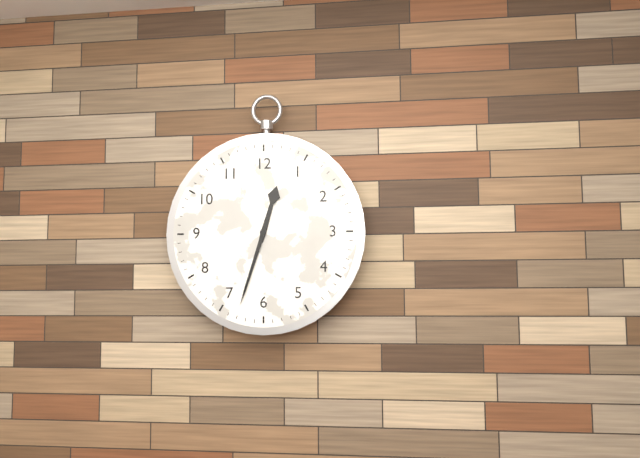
12:33
